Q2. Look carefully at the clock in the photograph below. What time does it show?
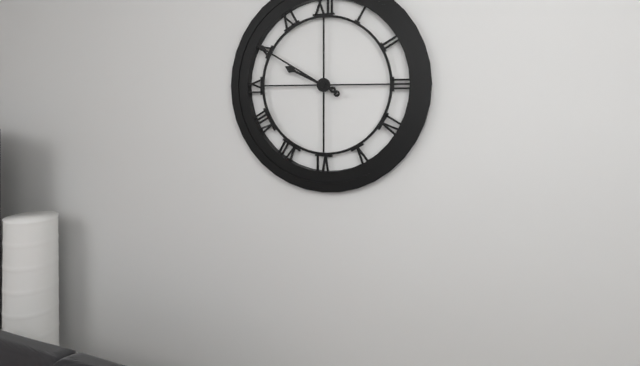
9:50
